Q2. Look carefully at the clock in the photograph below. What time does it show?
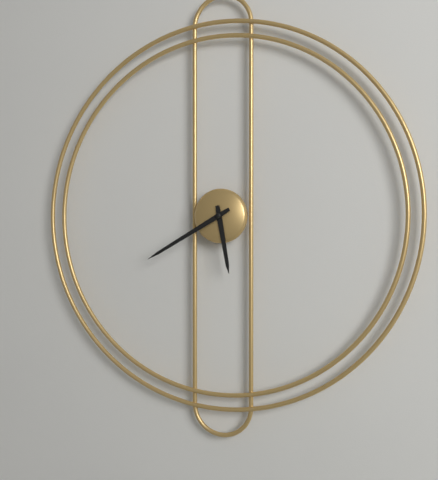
5:40
